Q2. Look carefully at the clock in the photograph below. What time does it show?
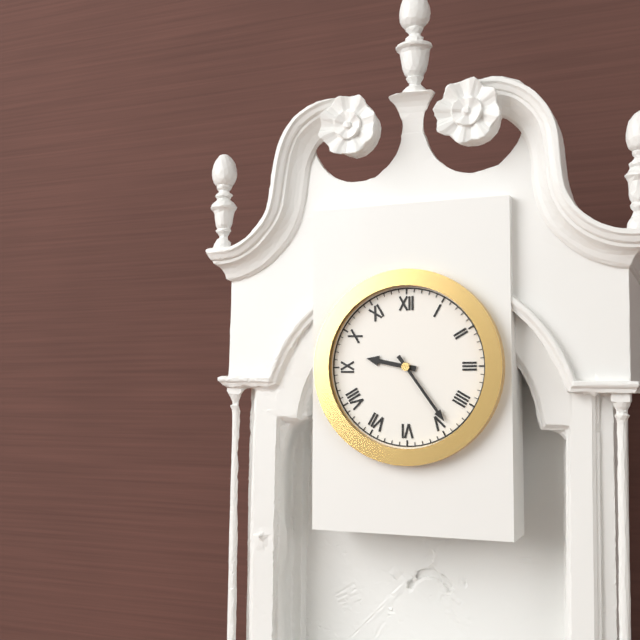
9:24
